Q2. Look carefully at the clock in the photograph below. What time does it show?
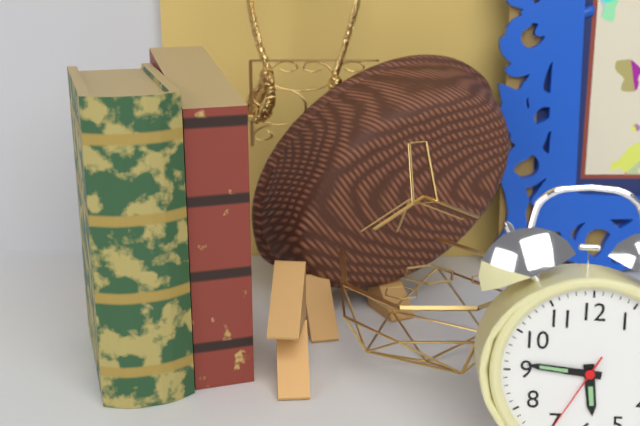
5:46
